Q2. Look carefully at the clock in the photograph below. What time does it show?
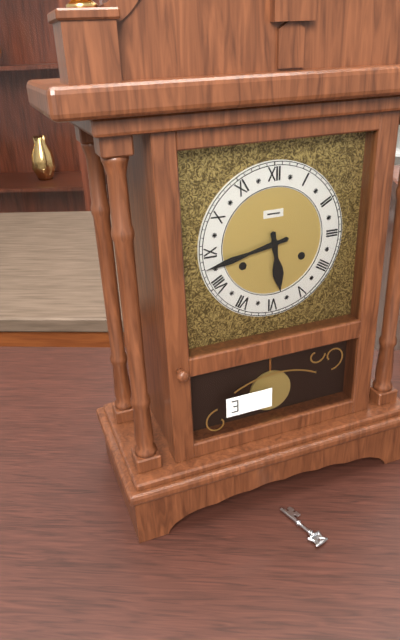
5:43
